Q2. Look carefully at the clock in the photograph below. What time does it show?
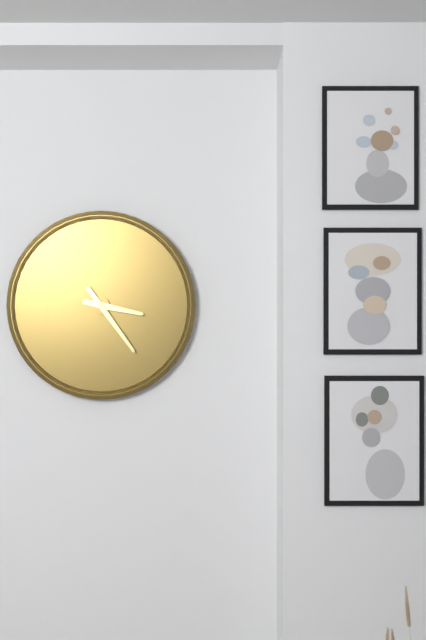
3:24
